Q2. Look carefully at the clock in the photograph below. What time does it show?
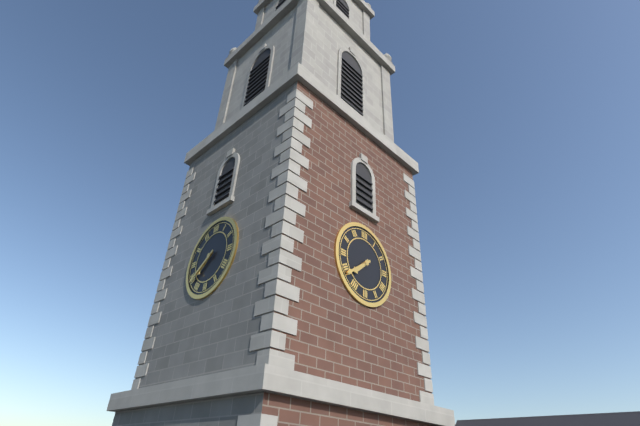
7:39
